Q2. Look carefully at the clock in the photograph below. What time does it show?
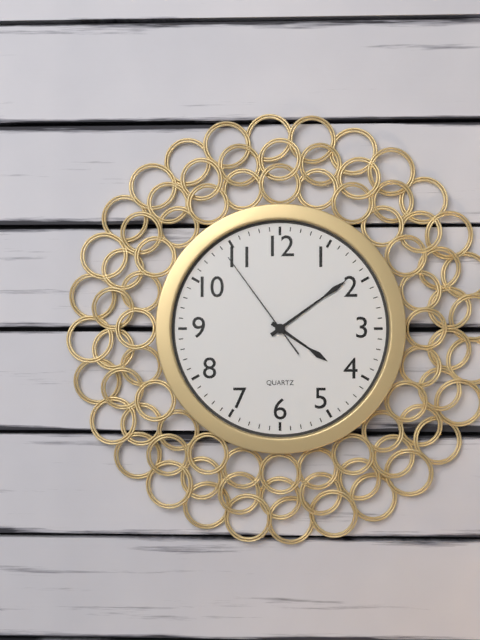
4:09:54
